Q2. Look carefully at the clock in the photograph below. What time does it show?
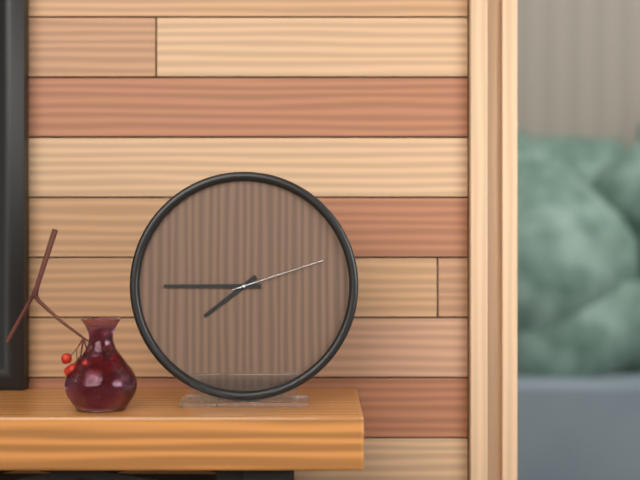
7:45:12
